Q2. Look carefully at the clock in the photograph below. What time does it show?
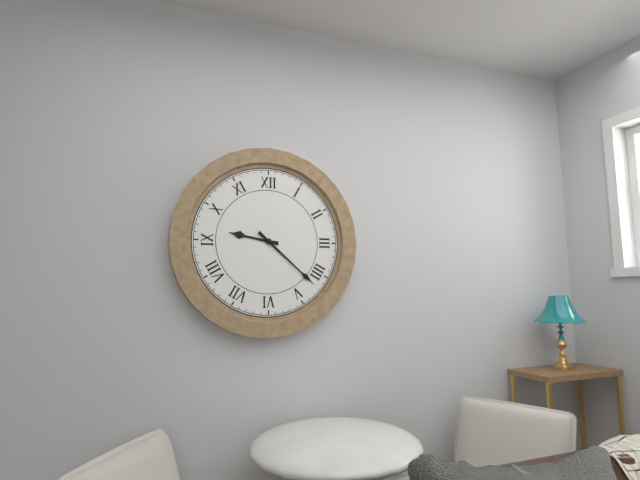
9:22
